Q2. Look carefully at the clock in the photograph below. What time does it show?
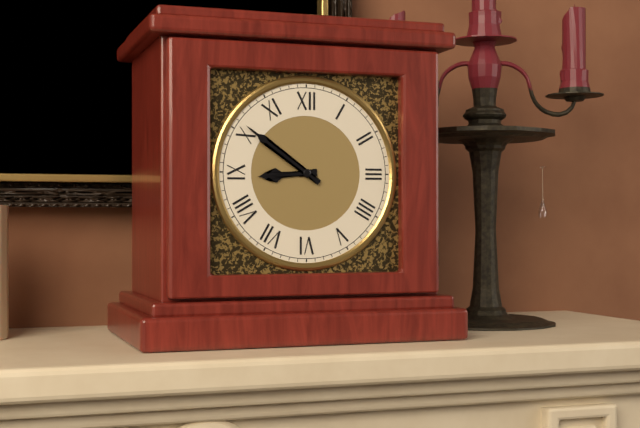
8:51
